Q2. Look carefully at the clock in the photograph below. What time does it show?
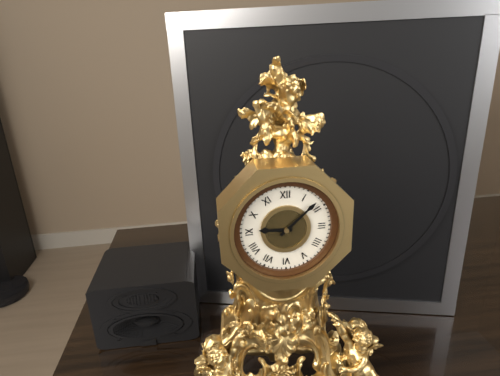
9:08
